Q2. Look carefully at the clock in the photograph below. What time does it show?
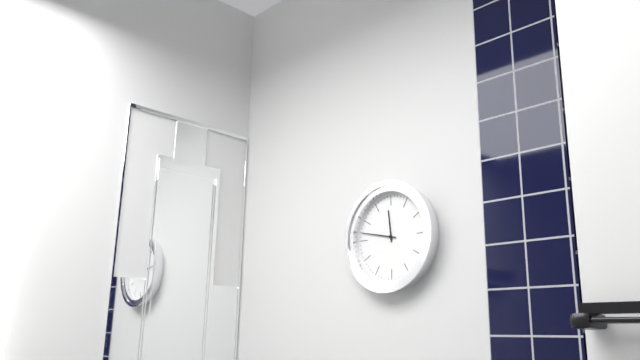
11:47
